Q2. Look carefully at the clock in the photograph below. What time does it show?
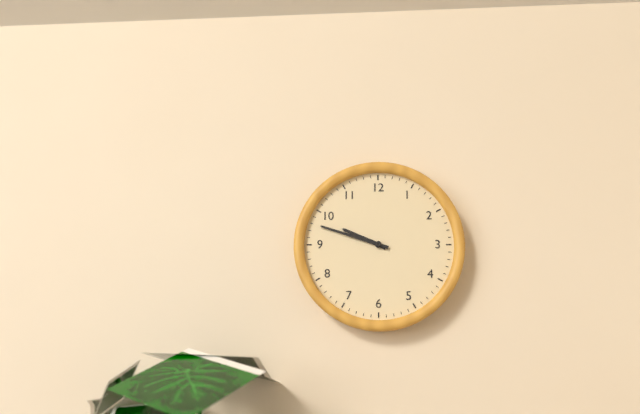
9:48
